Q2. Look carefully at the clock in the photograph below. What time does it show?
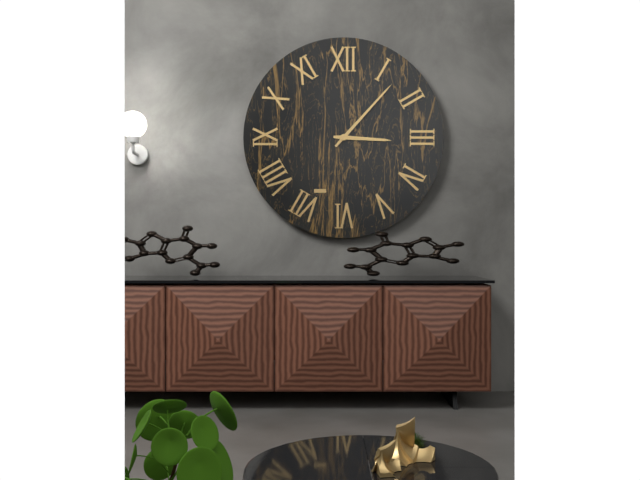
3:07
